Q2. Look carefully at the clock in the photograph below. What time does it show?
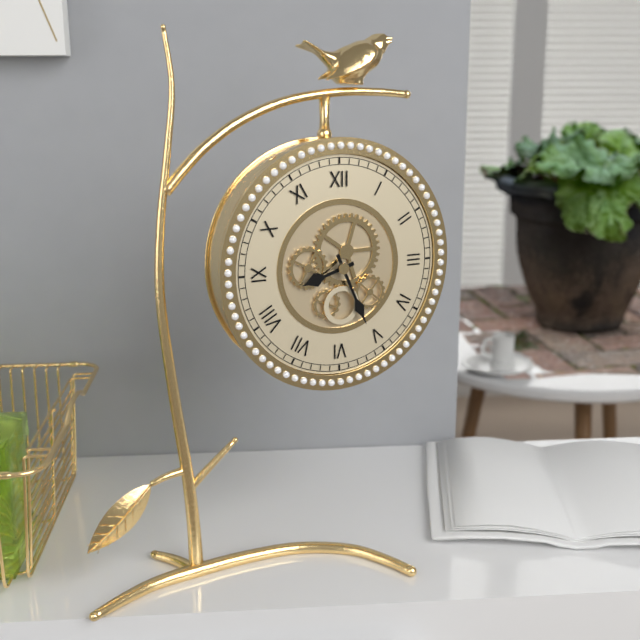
8:26
